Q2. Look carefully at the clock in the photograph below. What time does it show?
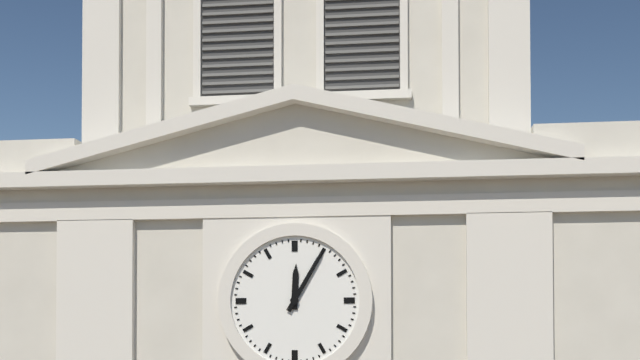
12:05
